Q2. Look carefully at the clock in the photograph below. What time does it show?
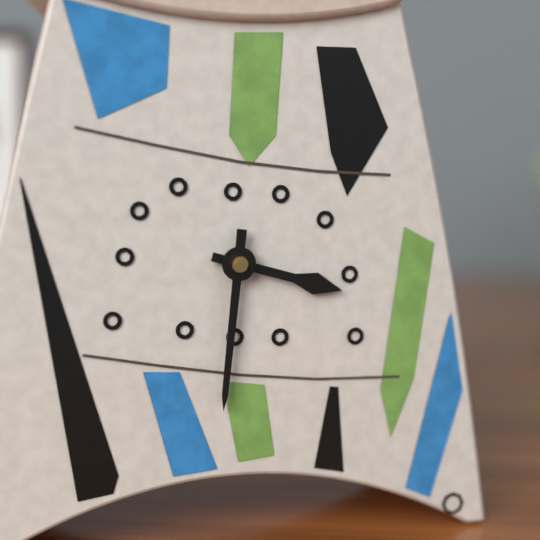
3:31
